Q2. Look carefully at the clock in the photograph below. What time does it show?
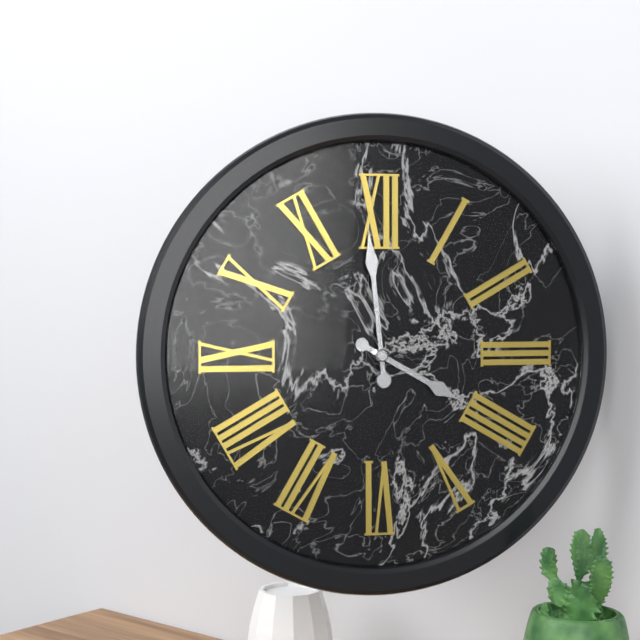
3:59
